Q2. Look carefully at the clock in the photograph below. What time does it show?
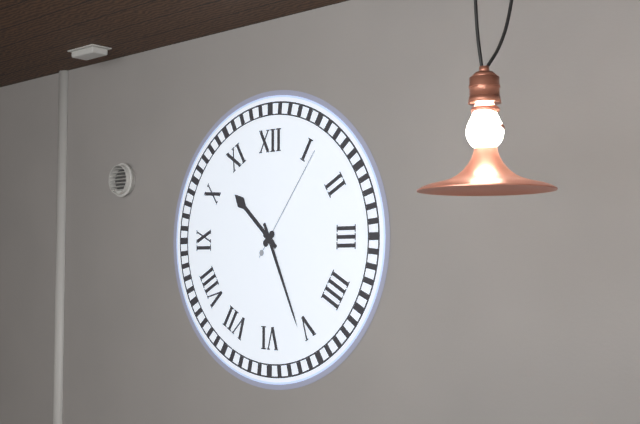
10:26:06
